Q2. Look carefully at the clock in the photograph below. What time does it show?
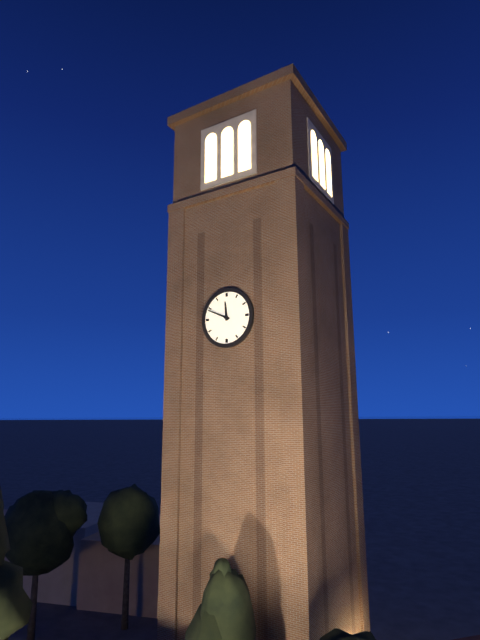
11:49
